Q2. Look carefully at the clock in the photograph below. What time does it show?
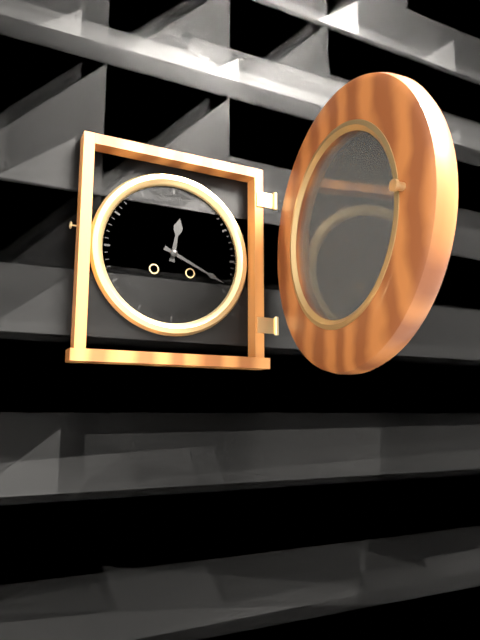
12:19
